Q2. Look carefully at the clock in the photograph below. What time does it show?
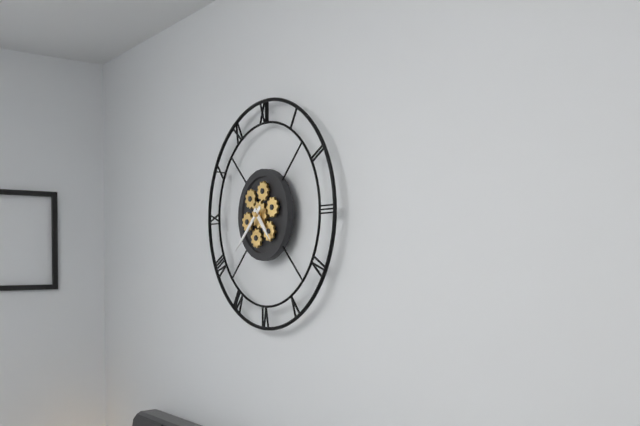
4:38
